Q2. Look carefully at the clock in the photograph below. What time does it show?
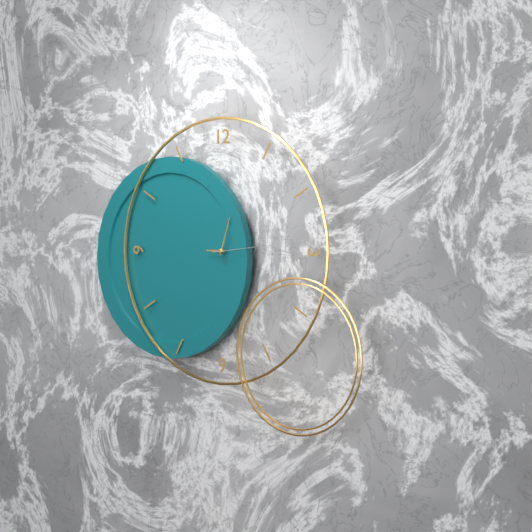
9:03
